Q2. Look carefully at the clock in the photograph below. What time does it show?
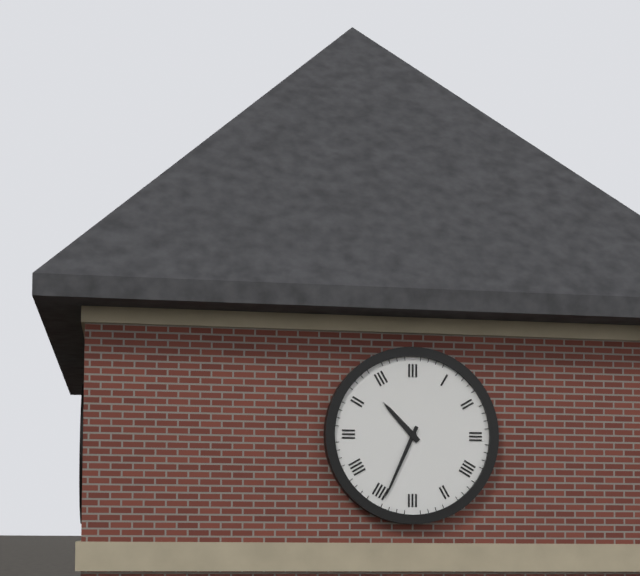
10:34
